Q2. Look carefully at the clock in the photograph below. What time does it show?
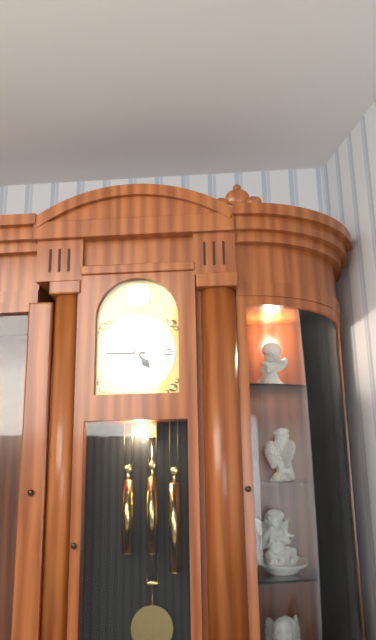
4:45
